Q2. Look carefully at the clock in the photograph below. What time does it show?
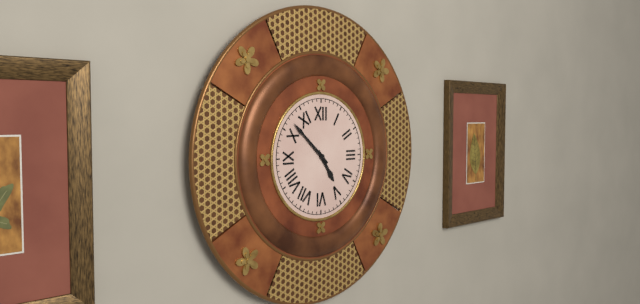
4:52
